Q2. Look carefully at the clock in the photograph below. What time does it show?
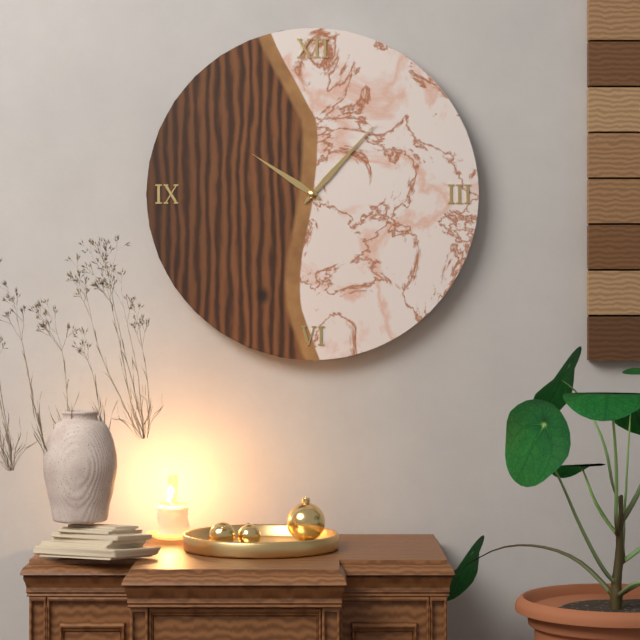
10:07
